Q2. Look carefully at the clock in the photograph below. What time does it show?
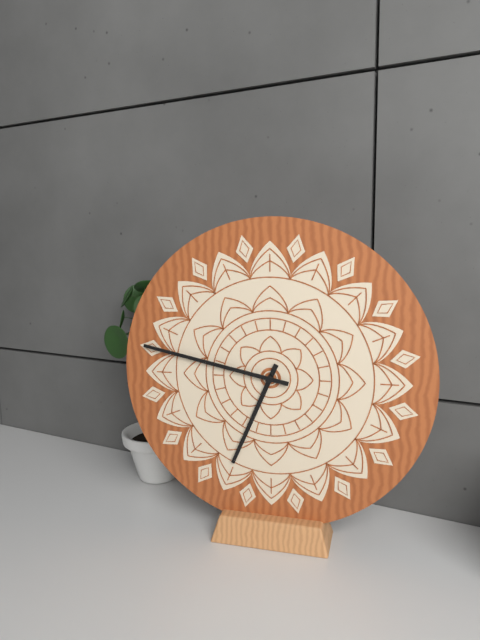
6:47
